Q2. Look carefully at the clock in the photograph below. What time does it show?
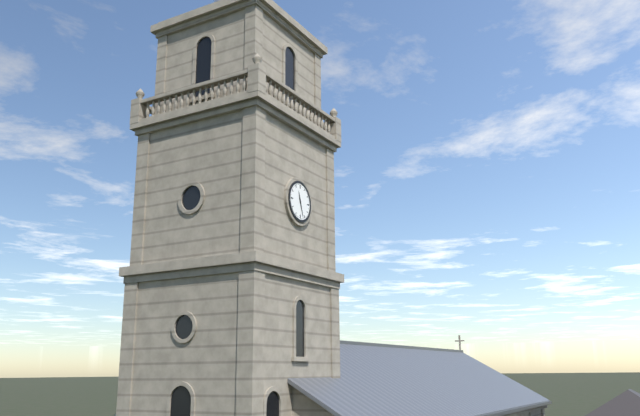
11:27
